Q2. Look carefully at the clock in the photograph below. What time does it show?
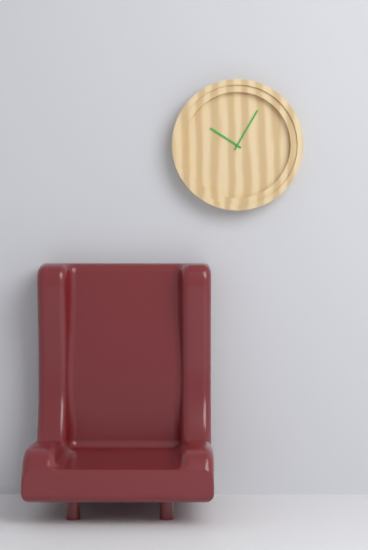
10:05
